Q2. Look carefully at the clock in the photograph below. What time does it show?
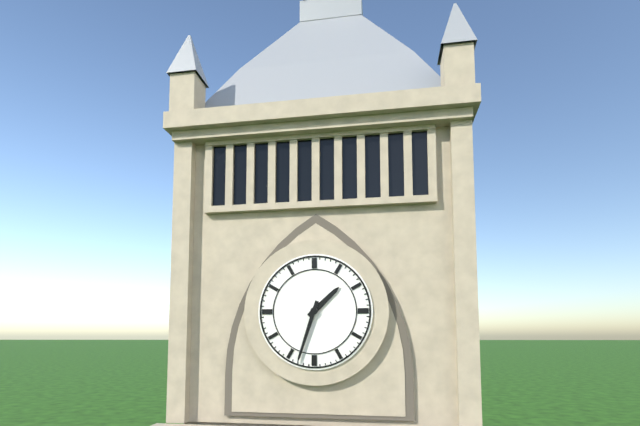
1:33
